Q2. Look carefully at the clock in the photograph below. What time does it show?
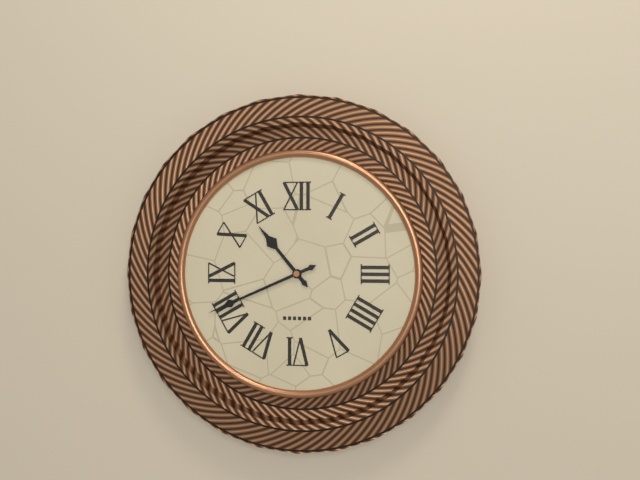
10:41
